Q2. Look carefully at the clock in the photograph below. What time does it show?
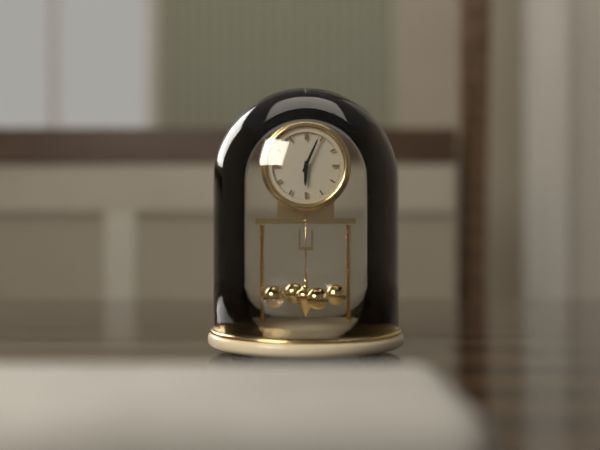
6:04
